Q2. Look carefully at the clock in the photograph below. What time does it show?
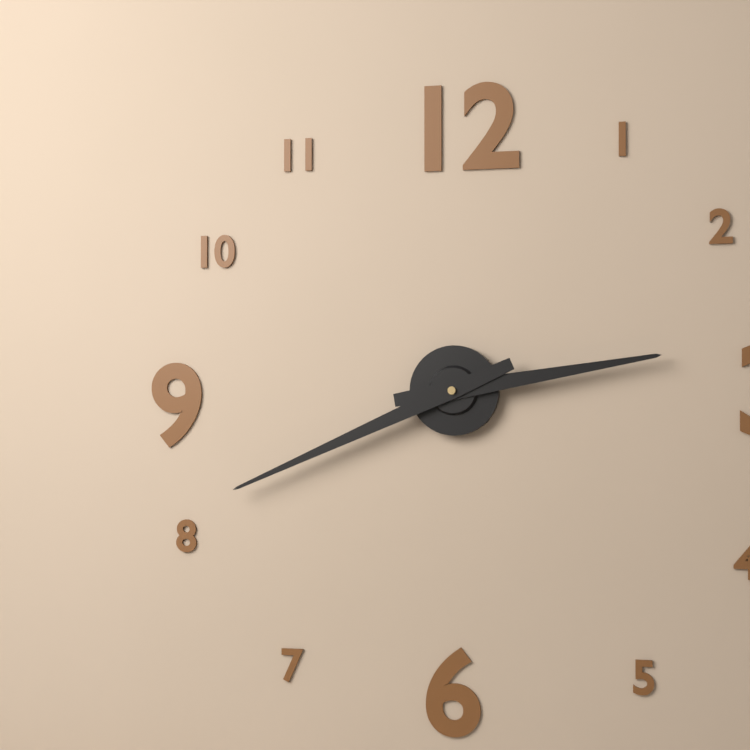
2:41
